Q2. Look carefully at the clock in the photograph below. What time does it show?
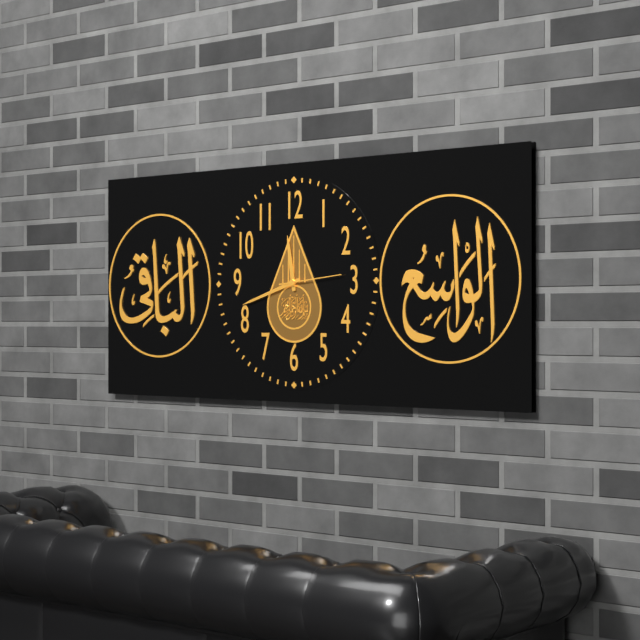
11:42:14
